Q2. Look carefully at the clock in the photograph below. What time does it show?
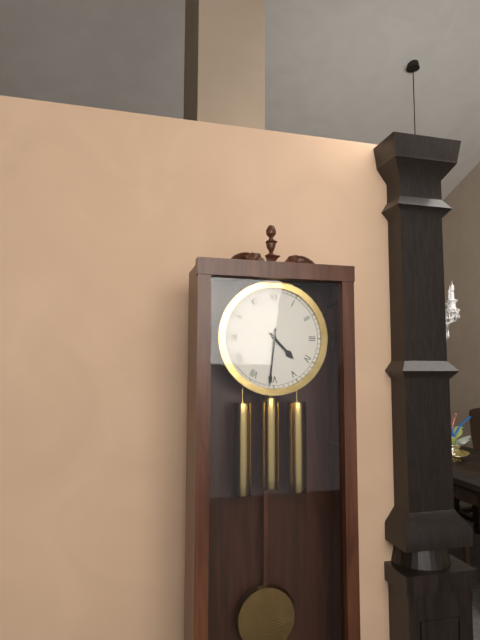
4:31
